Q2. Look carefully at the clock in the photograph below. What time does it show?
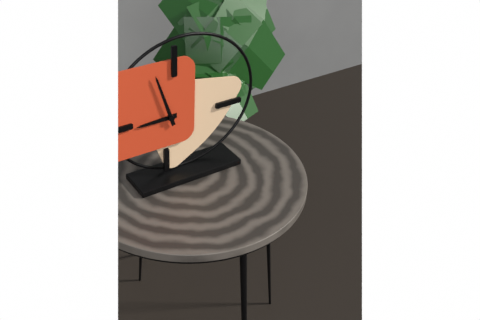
8:57
